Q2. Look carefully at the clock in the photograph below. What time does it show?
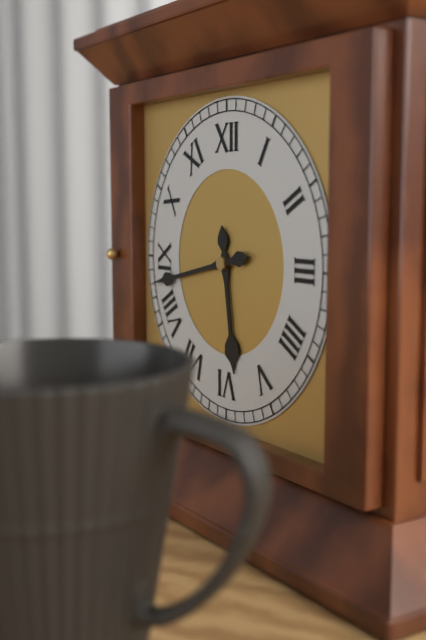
5:43
